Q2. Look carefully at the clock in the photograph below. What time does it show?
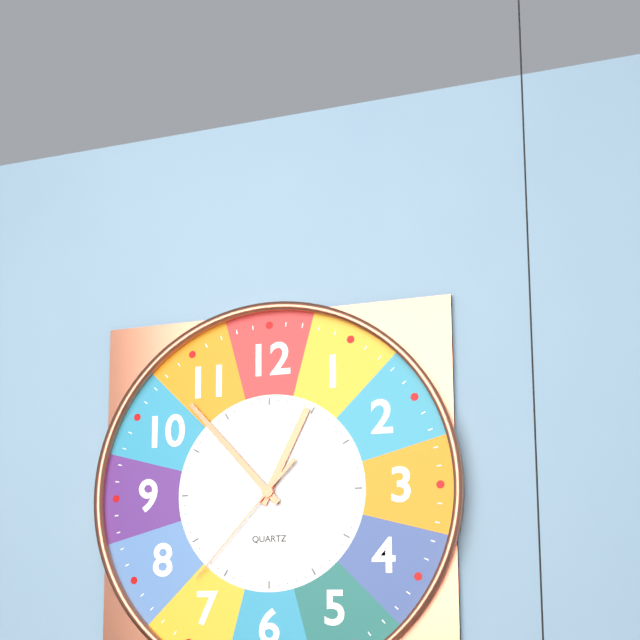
12:53:37
